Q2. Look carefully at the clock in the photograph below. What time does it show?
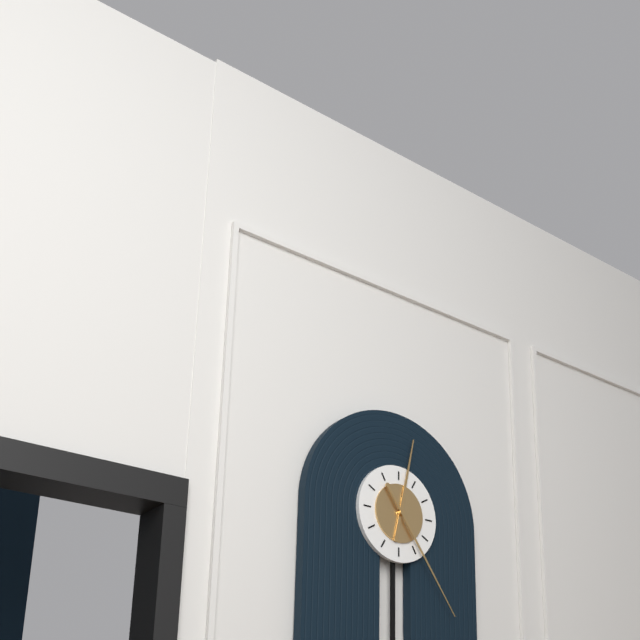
12:24
